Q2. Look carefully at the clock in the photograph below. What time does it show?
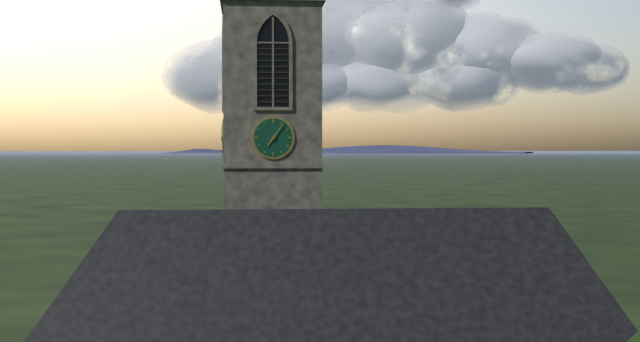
7:06
